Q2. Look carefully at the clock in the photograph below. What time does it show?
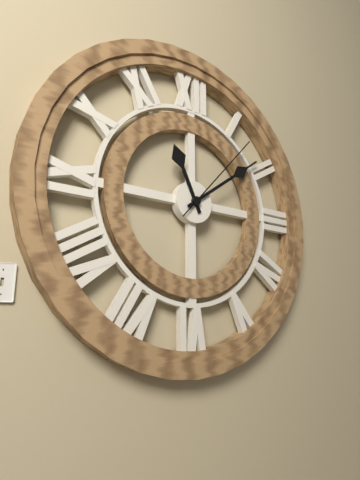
11:09:07
